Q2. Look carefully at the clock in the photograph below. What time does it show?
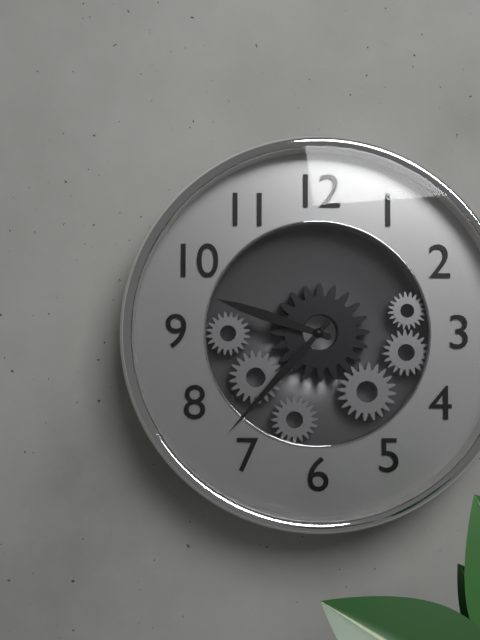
9:37
